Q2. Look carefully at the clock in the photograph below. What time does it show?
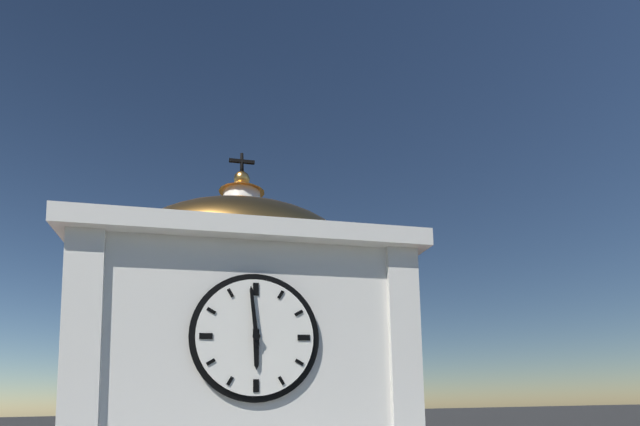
5:59
